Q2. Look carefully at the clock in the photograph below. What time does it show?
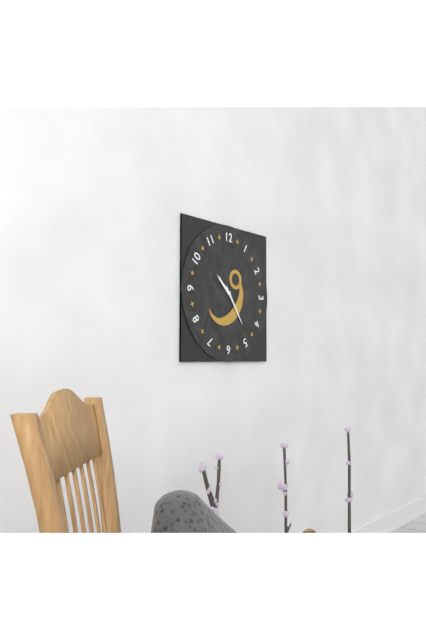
10:24
